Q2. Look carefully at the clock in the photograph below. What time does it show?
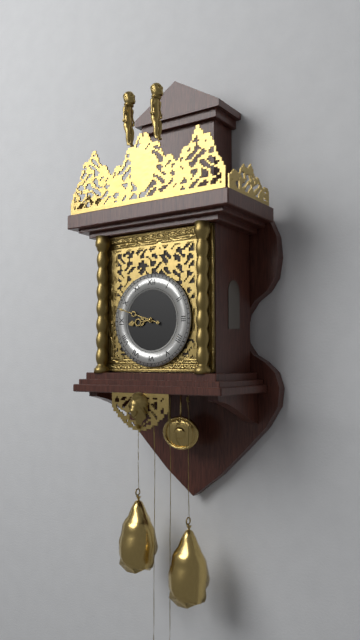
8:48
